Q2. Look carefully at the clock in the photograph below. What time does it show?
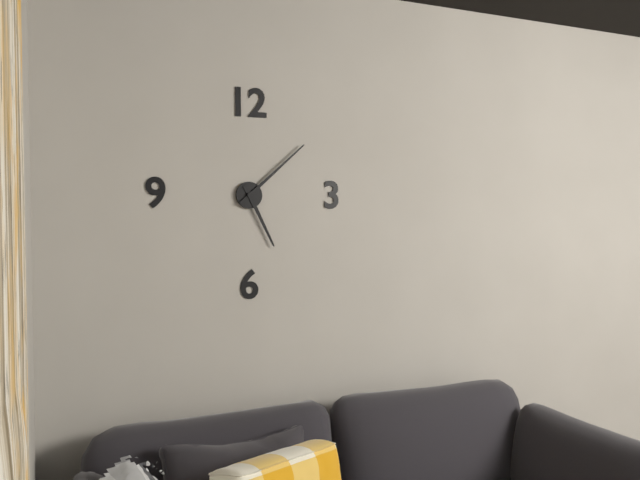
5:08
